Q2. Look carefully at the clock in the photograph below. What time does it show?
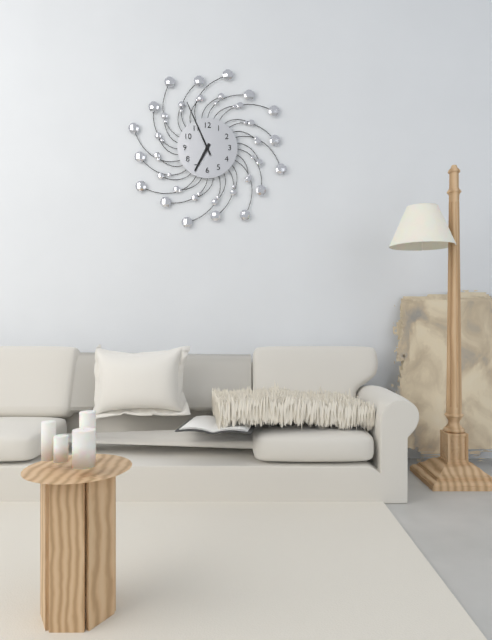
6:56
